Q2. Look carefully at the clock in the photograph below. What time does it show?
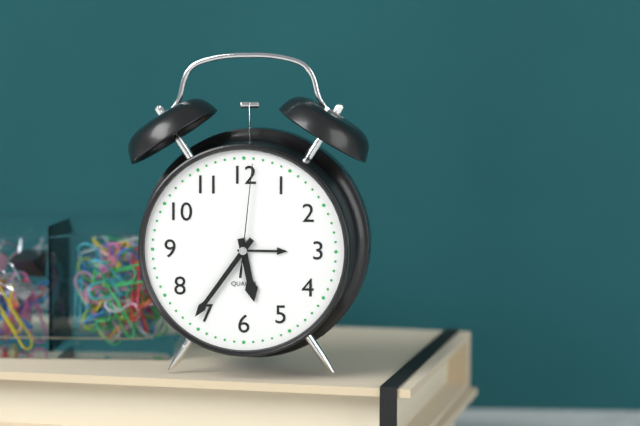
5:36:01
